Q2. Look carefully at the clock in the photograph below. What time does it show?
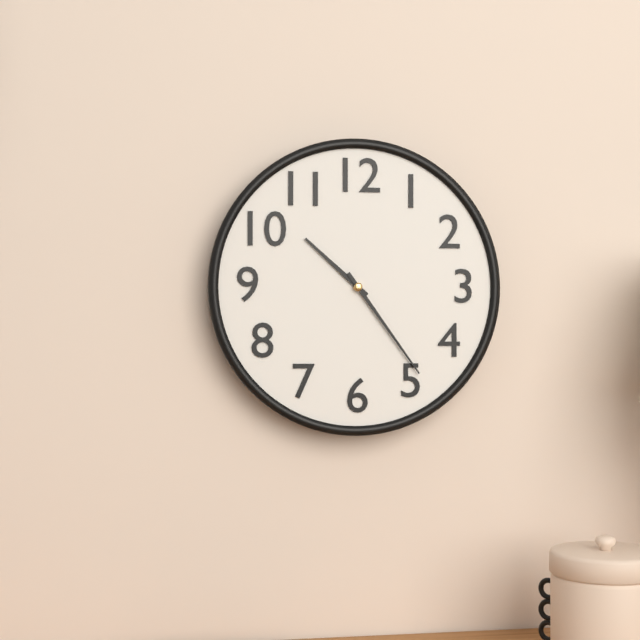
10:24
